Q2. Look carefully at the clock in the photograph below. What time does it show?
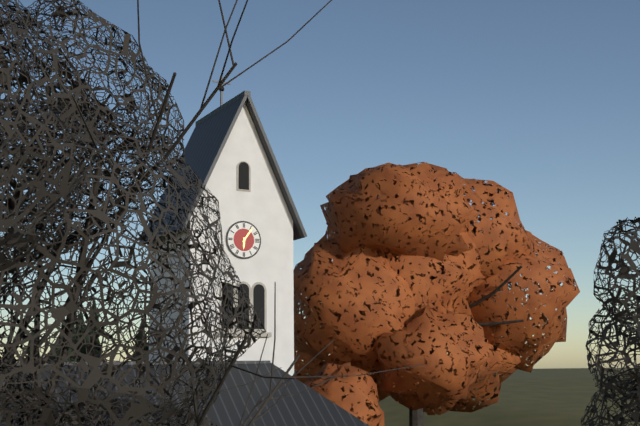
6:06
